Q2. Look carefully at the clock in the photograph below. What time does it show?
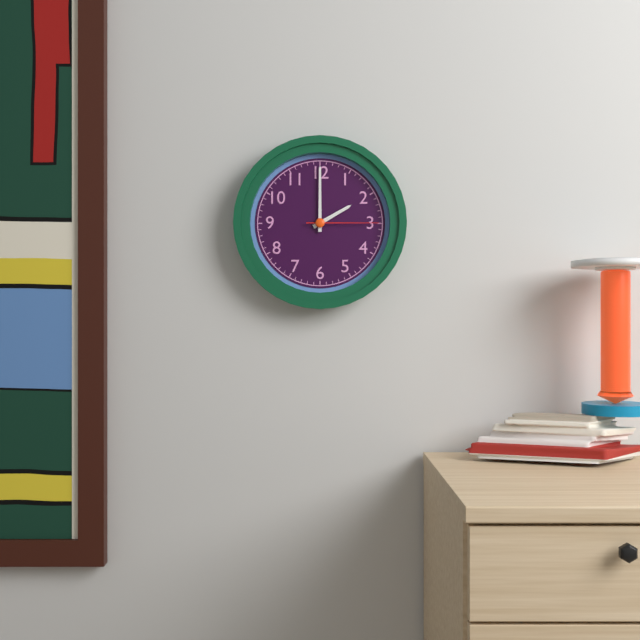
2:00:15
